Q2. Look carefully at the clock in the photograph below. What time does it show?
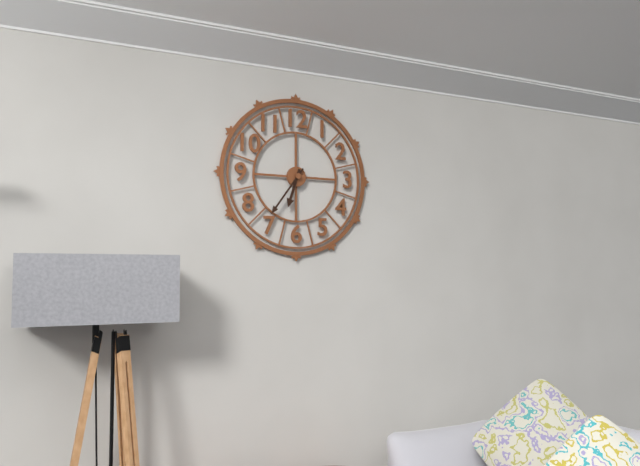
6:36
